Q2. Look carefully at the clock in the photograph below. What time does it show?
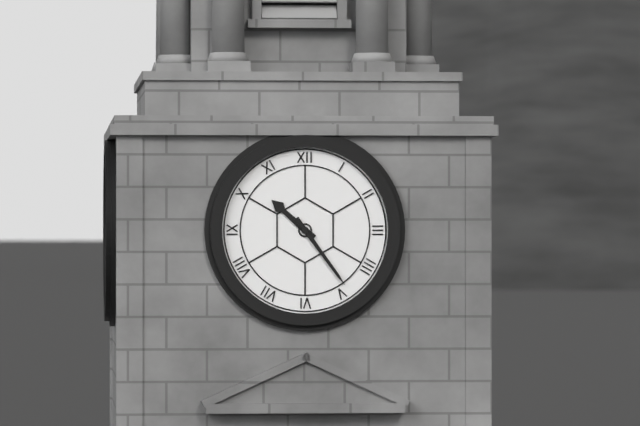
10:24
